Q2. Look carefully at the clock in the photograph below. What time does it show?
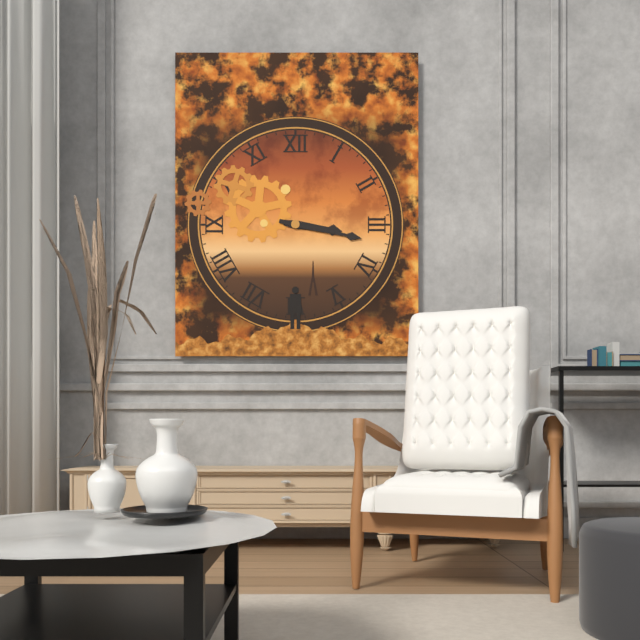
3:17
